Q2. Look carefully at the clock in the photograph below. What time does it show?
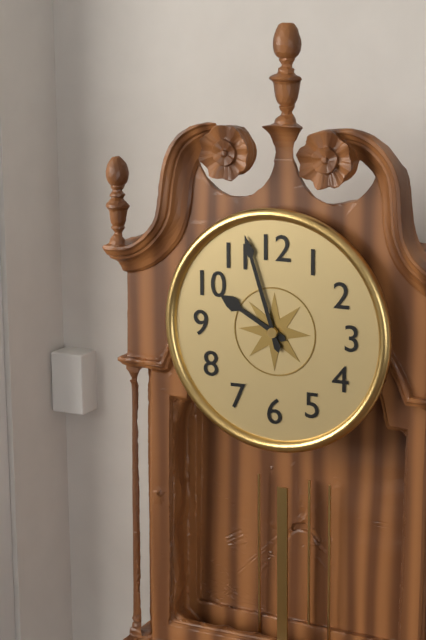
9:57
